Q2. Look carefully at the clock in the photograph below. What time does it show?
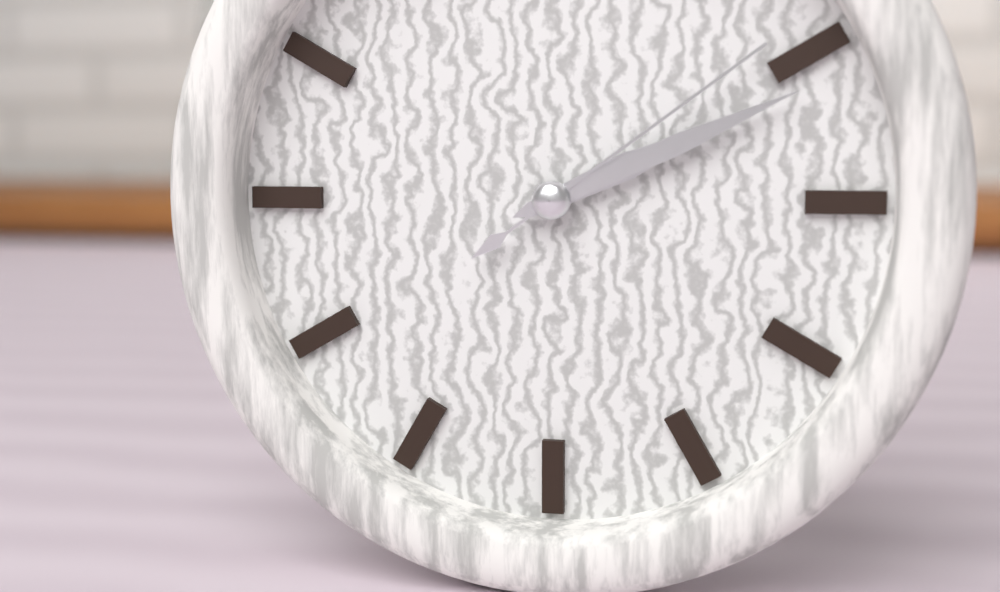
2:11:09
